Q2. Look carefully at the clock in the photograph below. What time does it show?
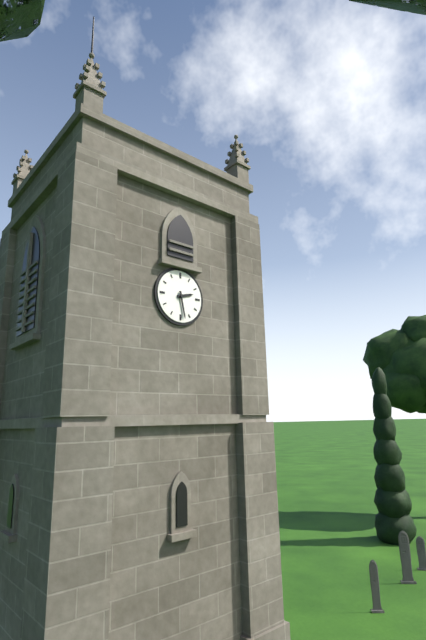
2:28
